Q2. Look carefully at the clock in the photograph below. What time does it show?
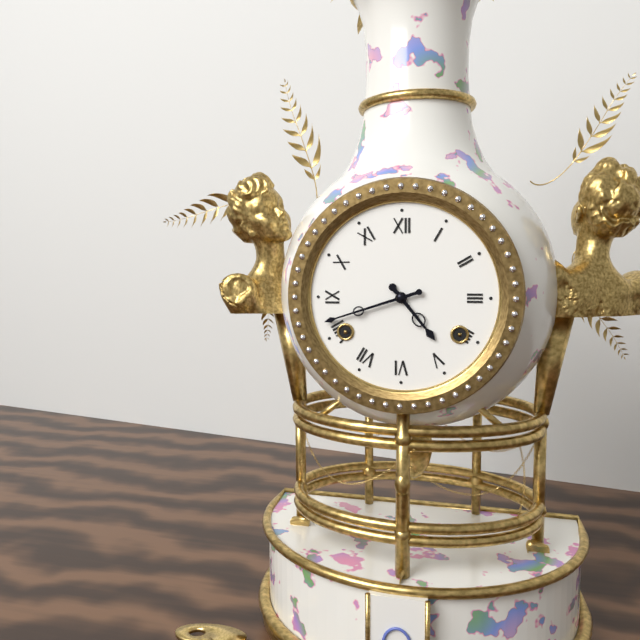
4:42
